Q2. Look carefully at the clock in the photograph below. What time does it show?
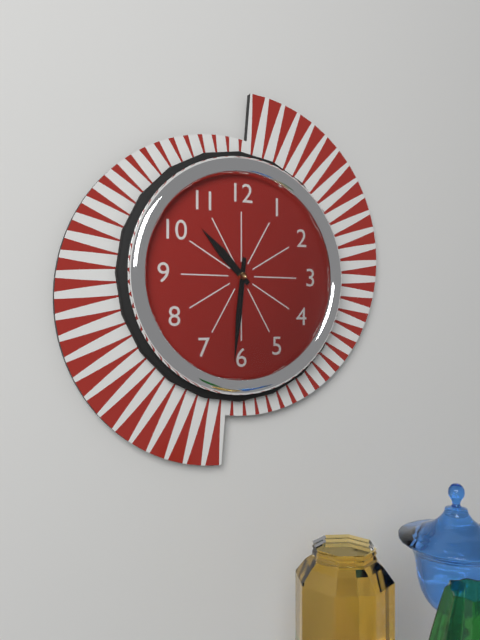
10:31
